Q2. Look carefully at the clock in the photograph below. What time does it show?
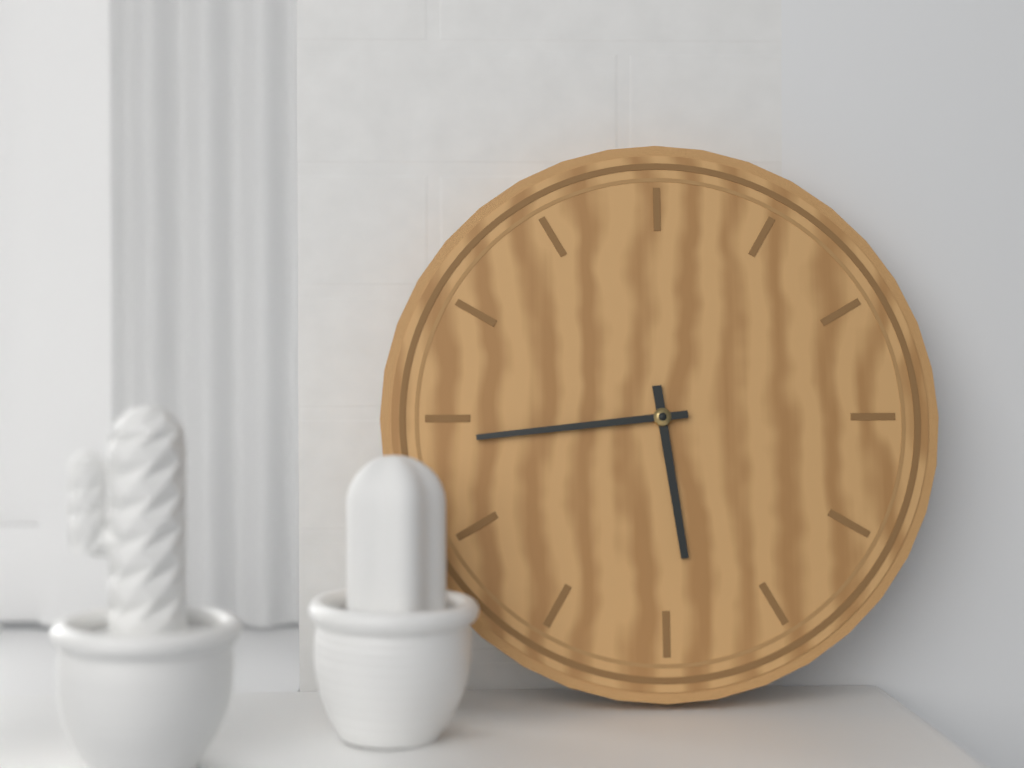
5:44
